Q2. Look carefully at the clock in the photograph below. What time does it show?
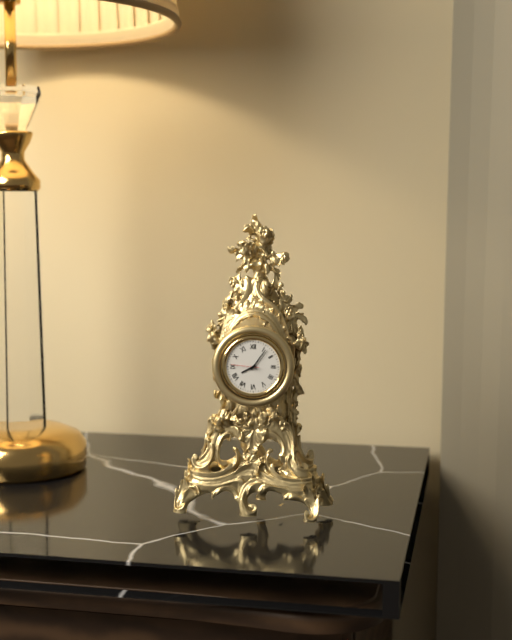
8:06
